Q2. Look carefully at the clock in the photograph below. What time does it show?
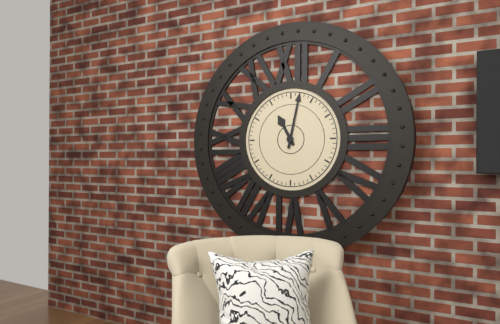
11:02
